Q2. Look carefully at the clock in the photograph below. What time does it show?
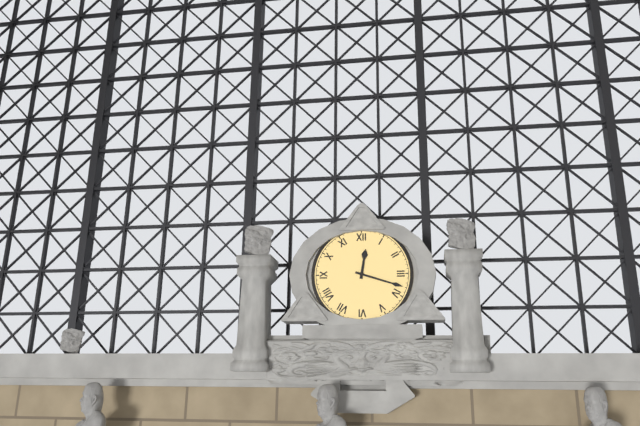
12:18
